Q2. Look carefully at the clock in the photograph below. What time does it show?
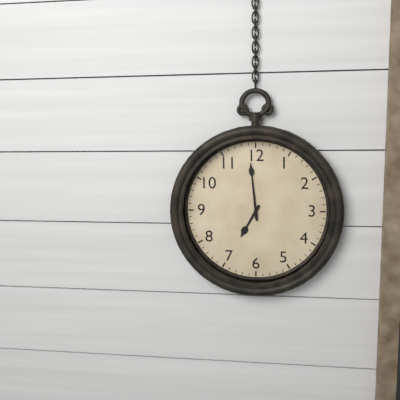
6:59
